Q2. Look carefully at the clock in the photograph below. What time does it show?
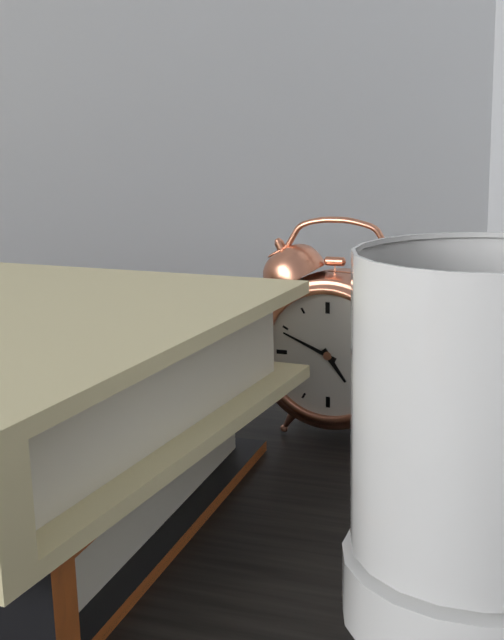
4:49
